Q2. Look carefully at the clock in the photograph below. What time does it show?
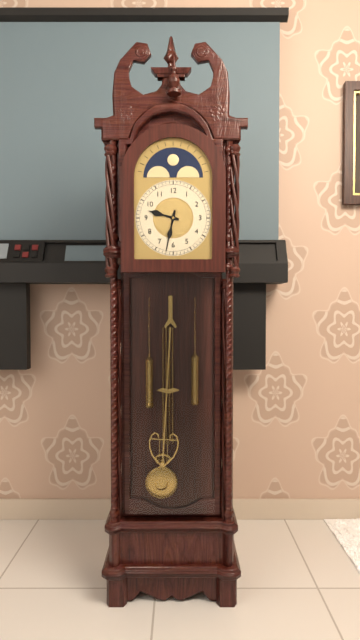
9:32
